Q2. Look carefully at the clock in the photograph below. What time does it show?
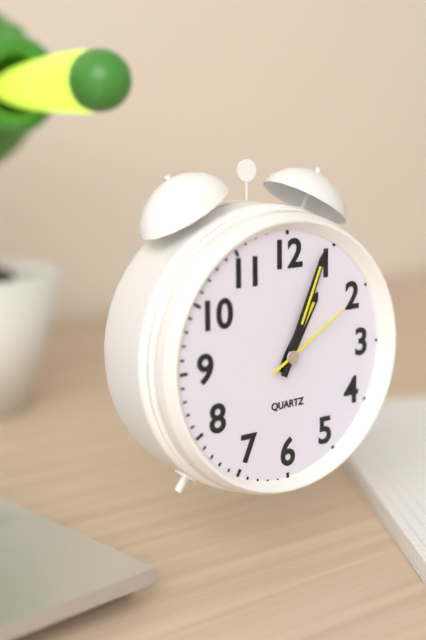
1:04:10
